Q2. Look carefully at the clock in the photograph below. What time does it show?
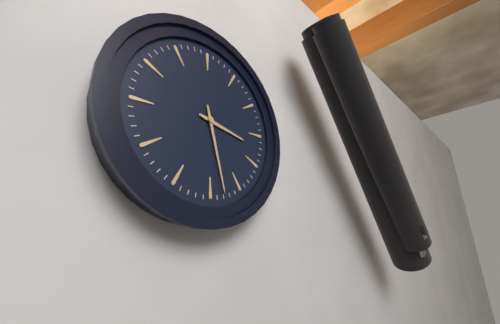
3:28
